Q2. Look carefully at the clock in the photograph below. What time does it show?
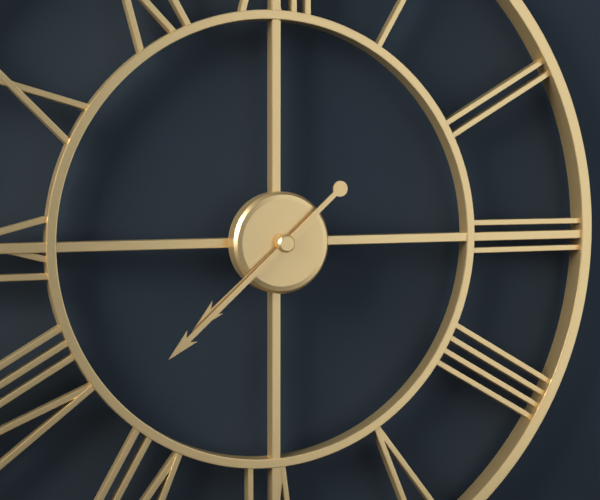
7:38
